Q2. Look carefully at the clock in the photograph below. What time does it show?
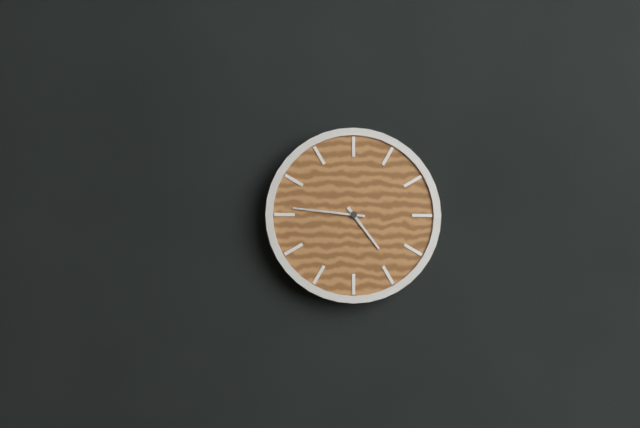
4:46
